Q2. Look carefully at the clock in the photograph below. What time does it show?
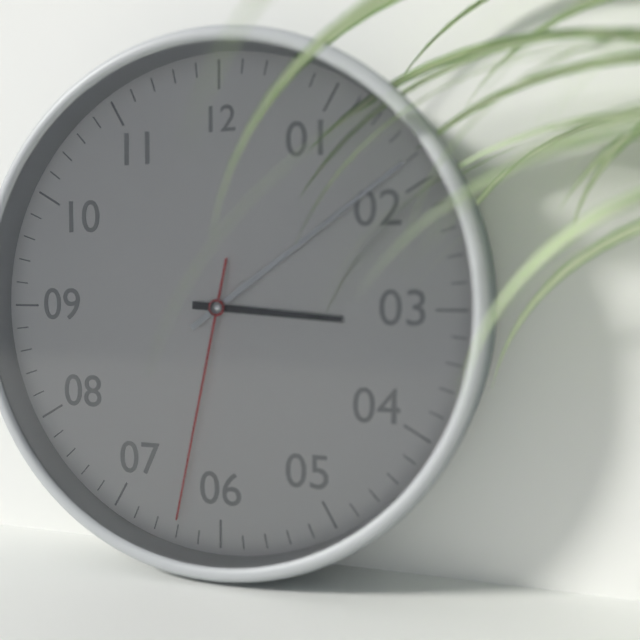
3:09:32
